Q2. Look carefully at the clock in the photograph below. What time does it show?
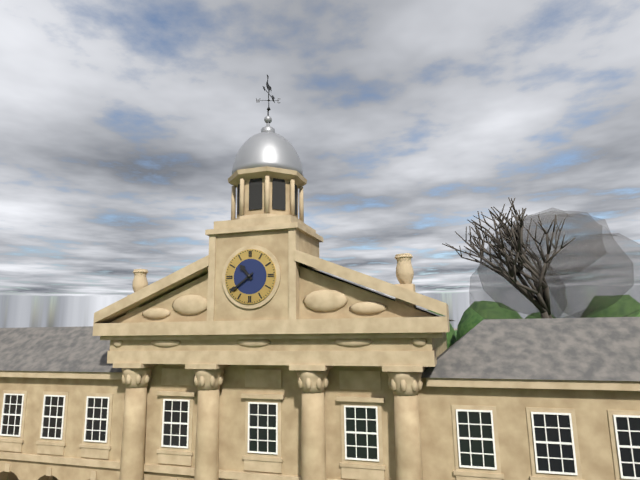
10:39
